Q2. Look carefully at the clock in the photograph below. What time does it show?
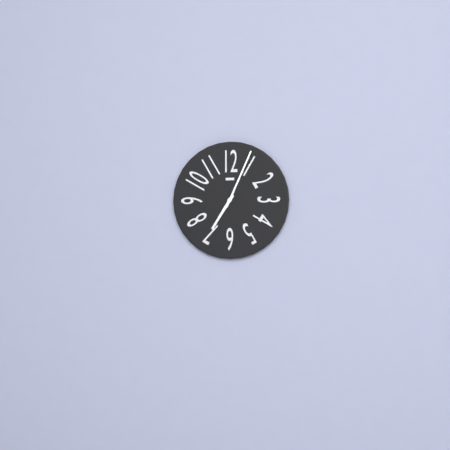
7:04
